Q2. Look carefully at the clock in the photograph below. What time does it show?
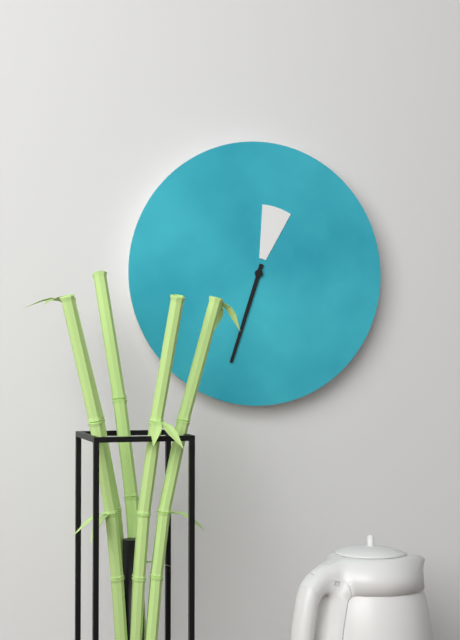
12:33
